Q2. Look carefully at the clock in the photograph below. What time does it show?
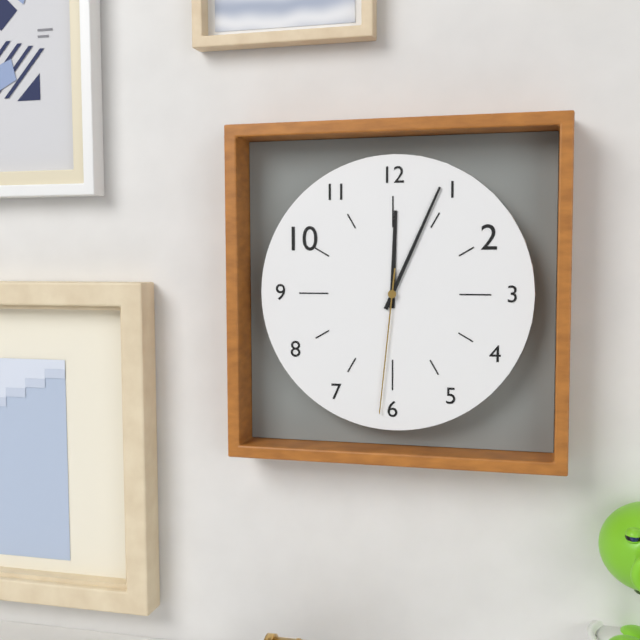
12:04:31
